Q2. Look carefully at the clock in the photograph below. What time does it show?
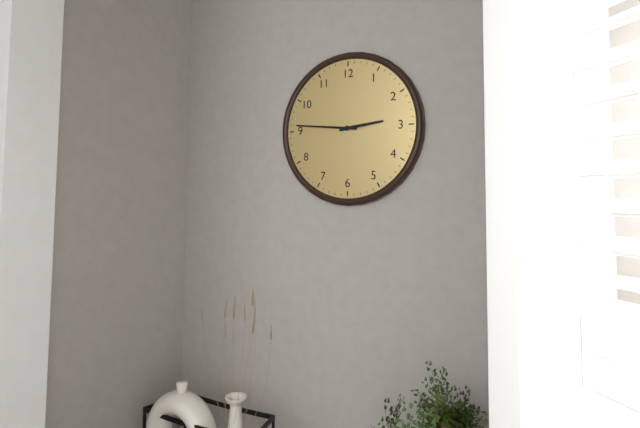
2:46
